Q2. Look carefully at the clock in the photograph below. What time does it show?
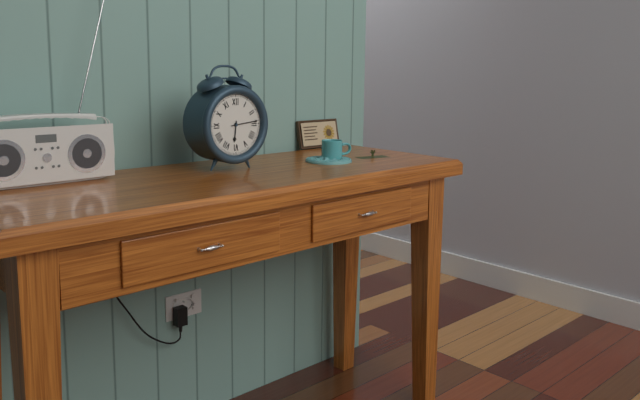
6:14
